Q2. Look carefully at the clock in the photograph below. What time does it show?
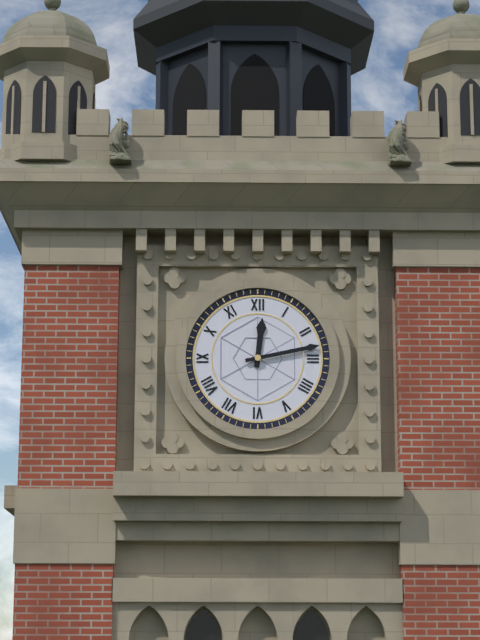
12:13
